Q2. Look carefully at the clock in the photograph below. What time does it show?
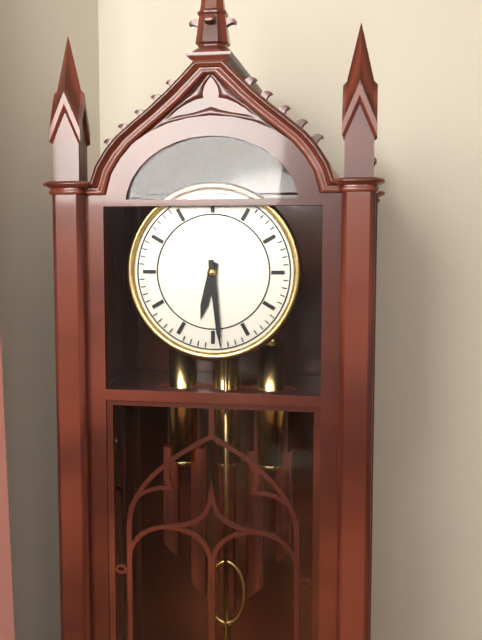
6:29
